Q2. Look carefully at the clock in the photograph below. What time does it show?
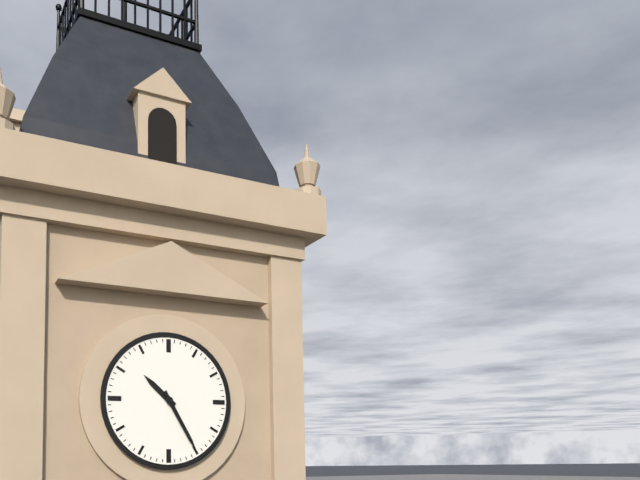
10:25
